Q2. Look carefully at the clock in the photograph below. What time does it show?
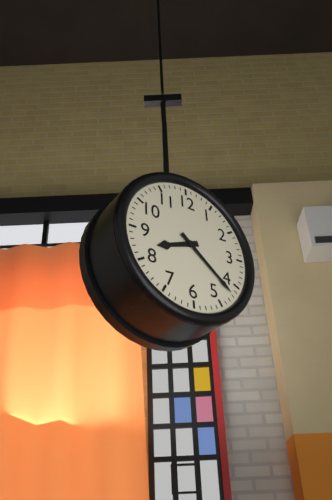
8:22
